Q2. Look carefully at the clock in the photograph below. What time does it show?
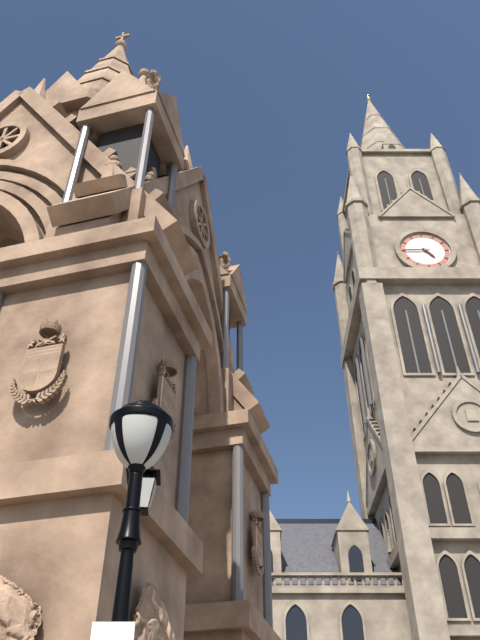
4:45
